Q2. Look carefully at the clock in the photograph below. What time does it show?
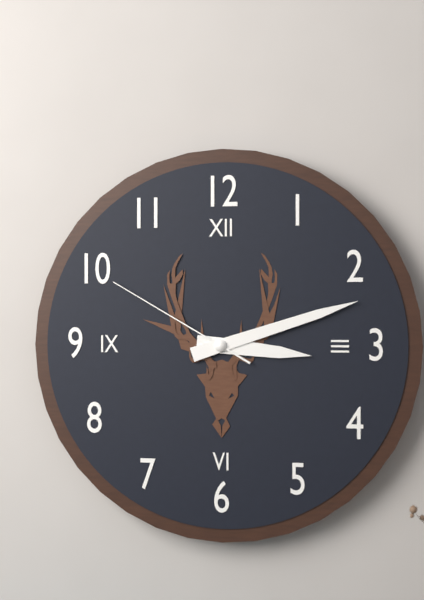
3:12:50
